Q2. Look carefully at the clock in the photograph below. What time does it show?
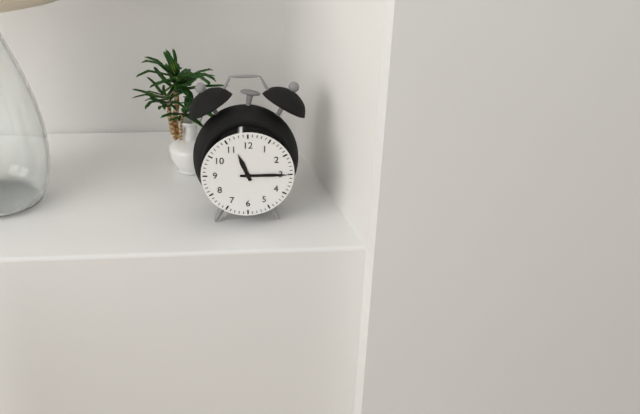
11:15
